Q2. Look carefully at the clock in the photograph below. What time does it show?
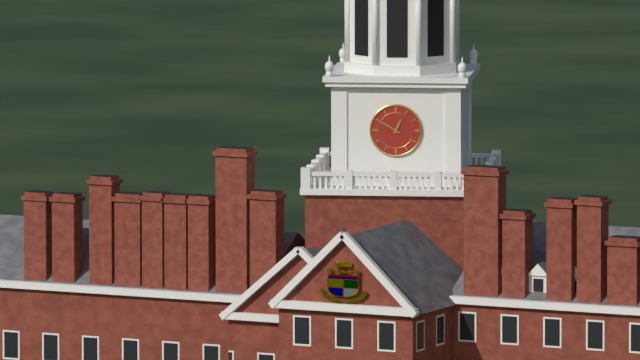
12:50
